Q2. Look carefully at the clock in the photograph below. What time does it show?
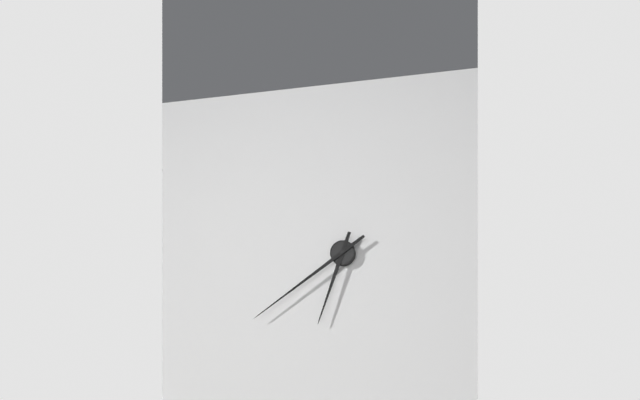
6:39
